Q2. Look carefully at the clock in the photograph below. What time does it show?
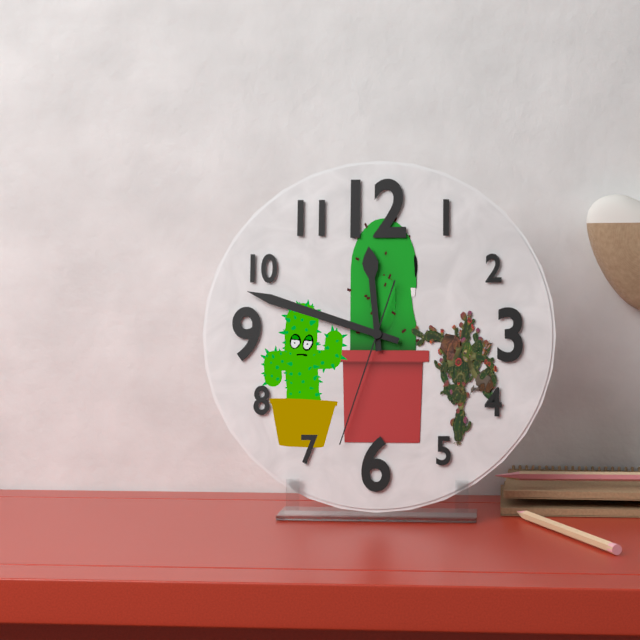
11:48:33
